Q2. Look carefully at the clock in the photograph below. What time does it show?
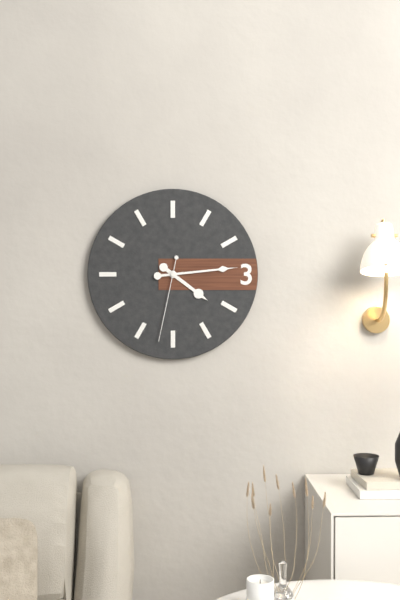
4:14:32
